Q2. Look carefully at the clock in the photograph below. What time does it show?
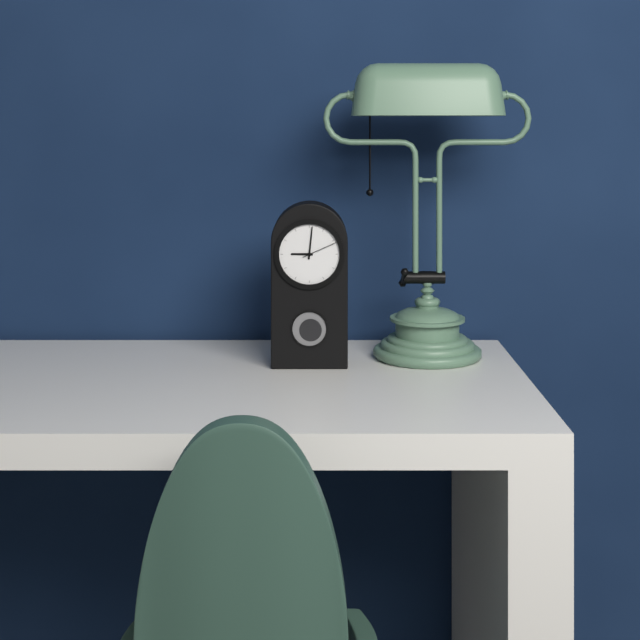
9:01
